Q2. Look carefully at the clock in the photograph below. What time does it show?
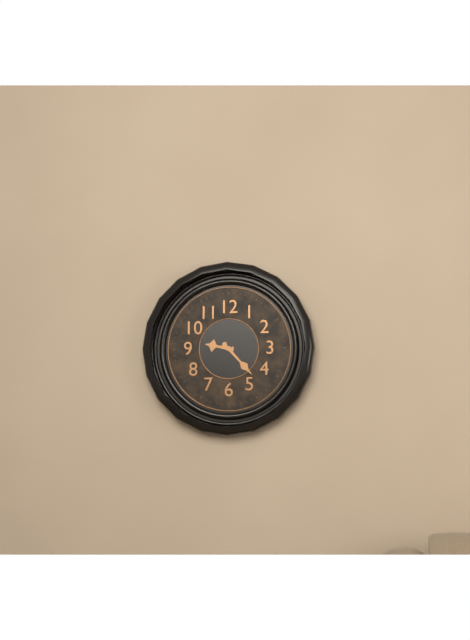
9:23
